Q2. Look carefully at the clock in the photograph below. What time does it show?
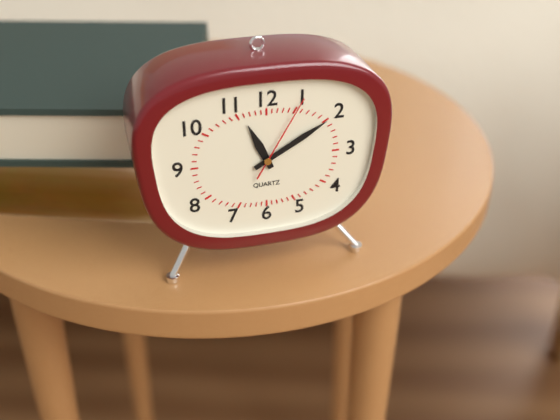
11:10:05
